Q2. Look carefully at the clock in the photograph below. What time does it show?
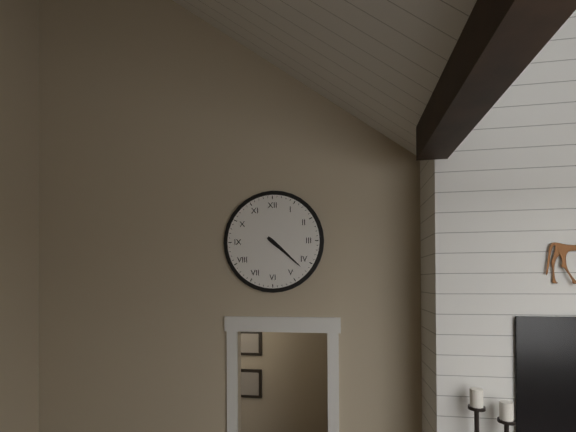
4:22
